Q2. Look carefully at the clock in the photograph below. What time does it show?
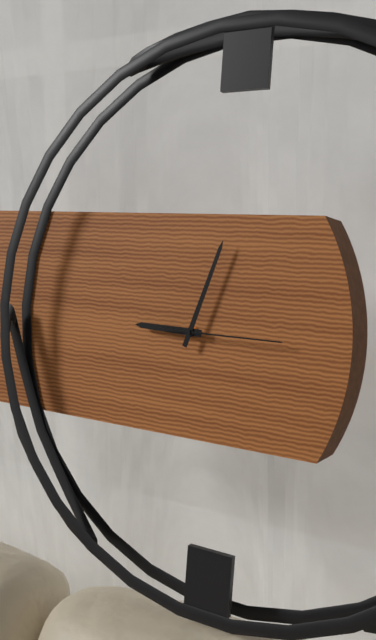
9:03:15
